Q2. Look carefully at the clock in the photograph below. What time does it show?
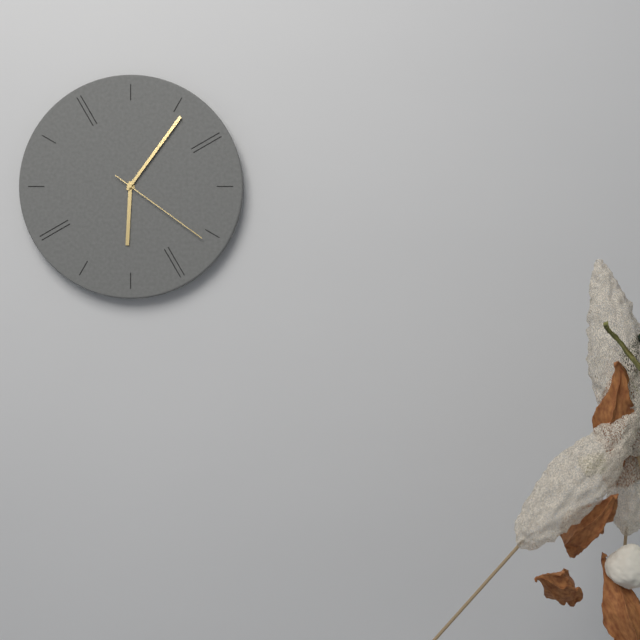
6:06:21
